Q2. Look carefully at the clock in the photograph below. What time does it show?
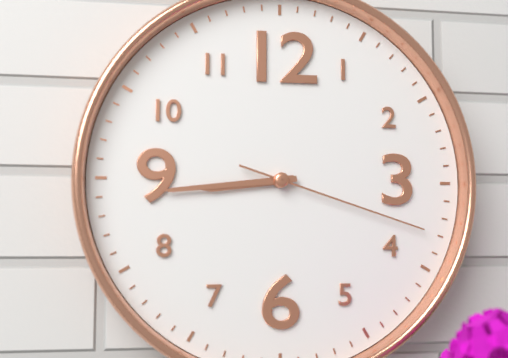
8:44:18
